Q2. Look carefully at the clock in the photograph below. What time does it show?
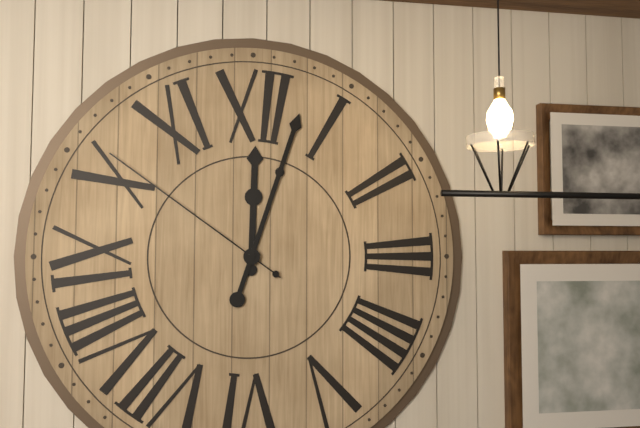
12:03:51
